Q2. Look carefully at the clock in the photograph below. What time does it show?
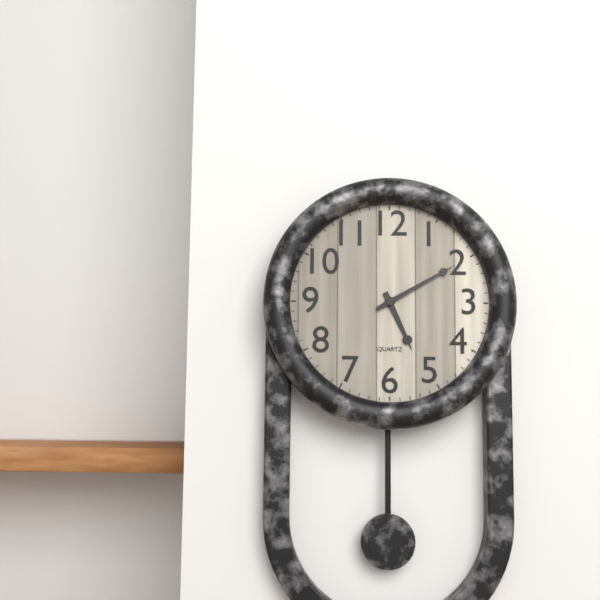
5:10
